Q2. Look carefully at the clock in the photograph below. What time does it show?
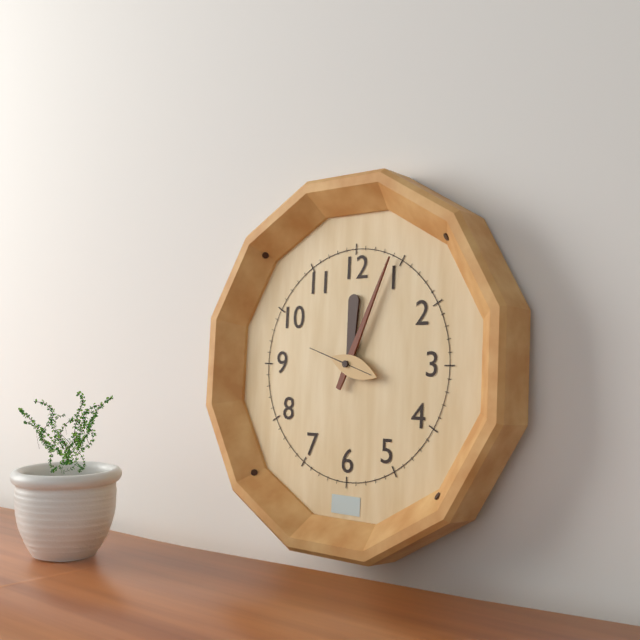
12:04:48
